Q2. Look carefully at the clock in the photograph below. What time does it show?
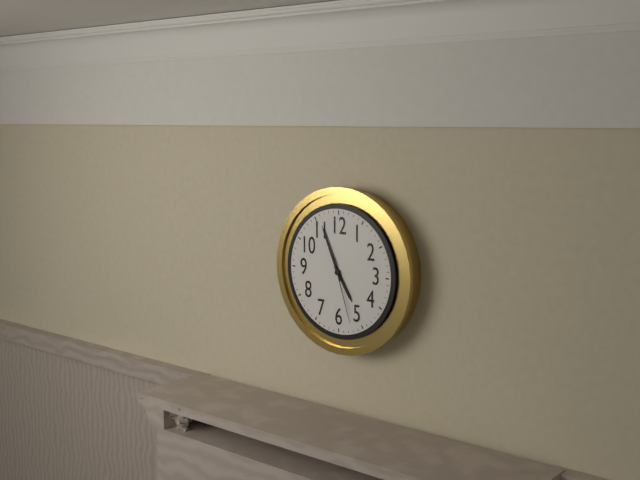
4:56:27
